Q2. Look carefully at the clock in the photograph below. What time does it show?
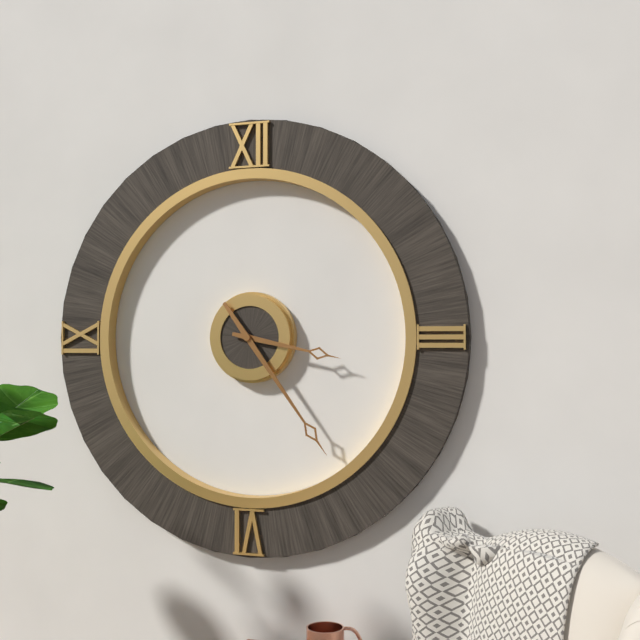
3:24
